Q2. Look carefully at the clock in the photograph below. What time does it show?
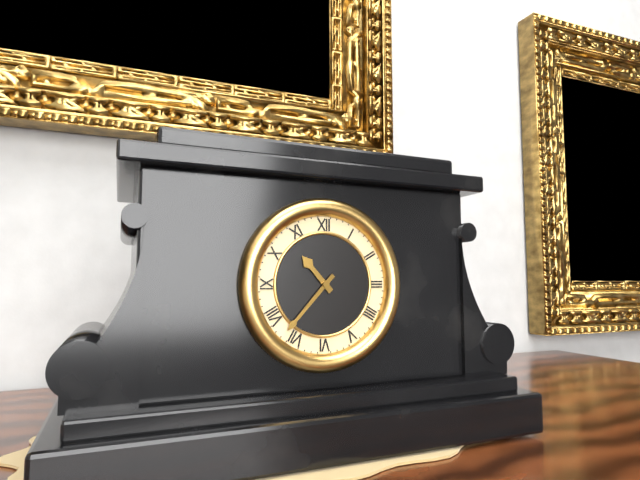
10:37
